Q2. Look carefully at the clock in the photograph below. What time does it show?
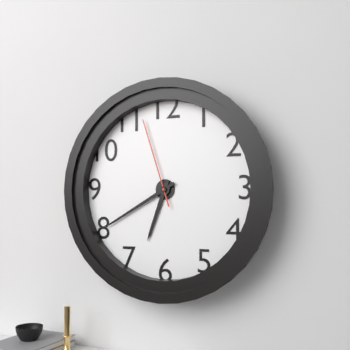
6:40:57
